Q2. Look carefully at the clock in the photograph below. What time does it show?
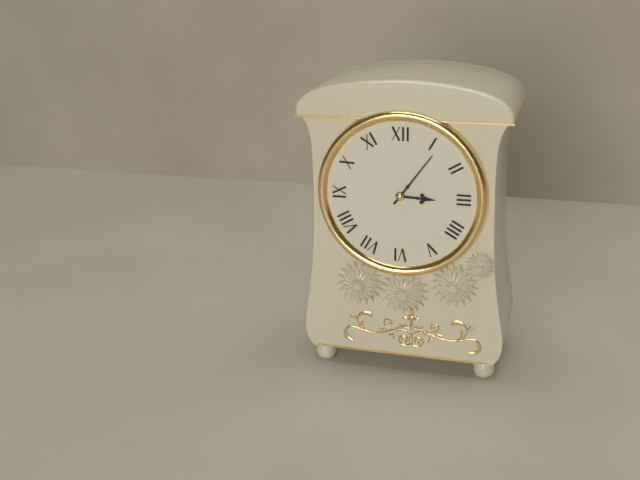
3:06
